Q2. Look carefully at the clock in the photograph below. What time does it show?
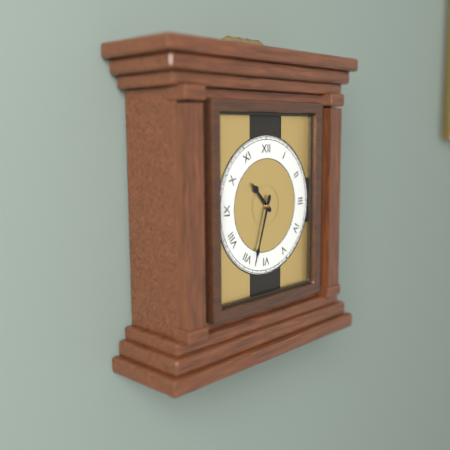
10:33
